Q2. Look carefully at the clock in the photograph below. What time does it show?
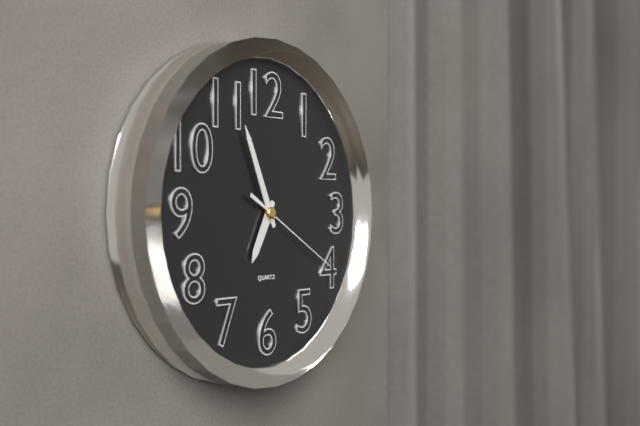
6:56:20
